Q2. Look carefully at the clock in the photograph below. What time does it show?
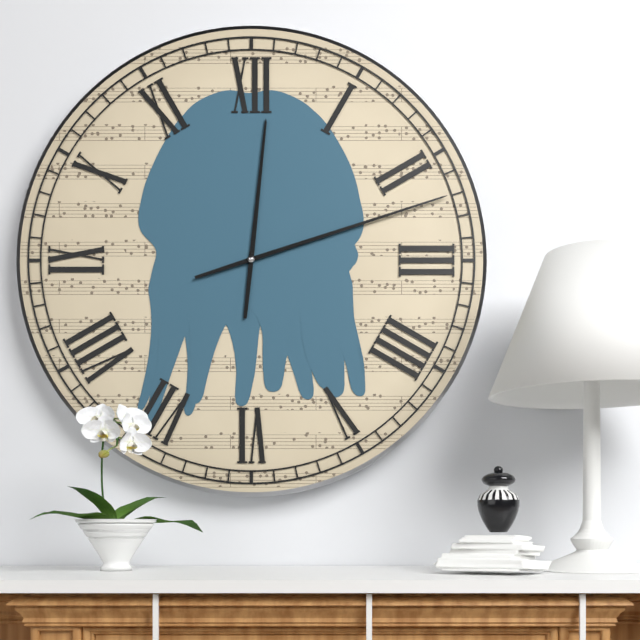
12:12
